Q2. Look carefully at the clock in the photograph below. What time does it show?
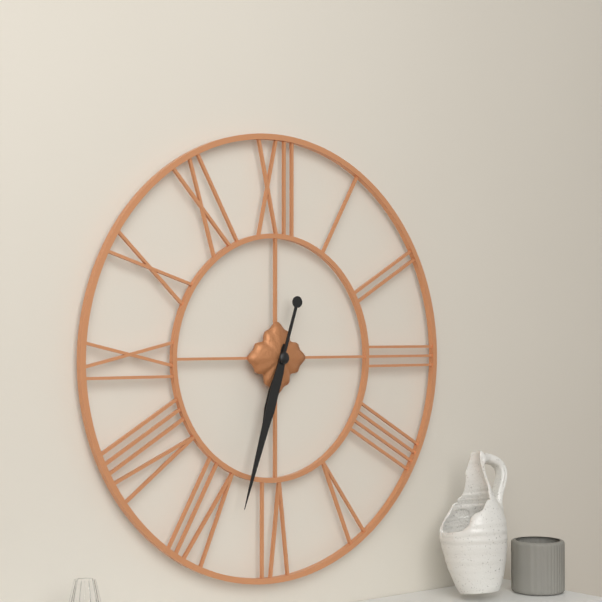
6:33
